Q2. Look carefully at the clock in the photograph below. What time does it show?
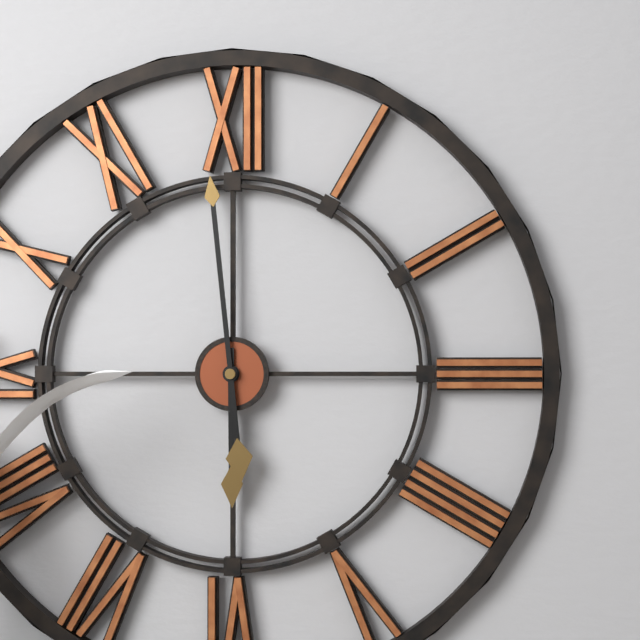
5:59
